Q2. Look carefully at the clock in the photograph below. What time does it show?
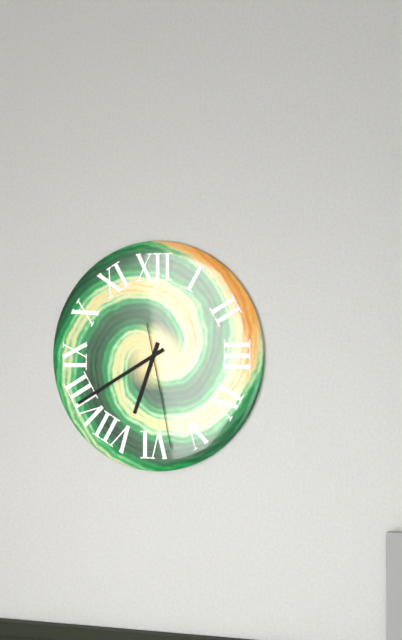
6:40:28
